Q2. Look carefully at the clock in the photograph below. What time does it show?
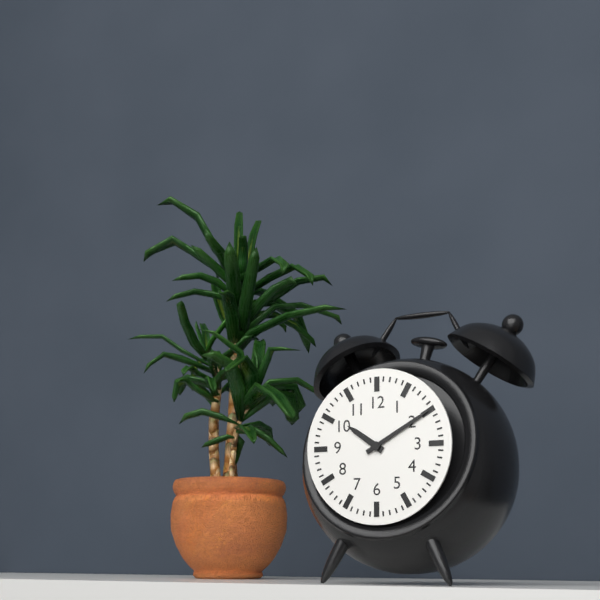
10:10
